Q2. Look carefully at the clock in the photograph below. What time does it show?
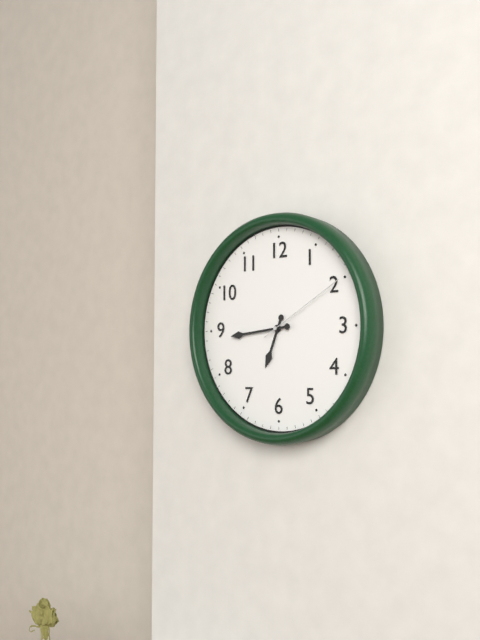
6:44:10
